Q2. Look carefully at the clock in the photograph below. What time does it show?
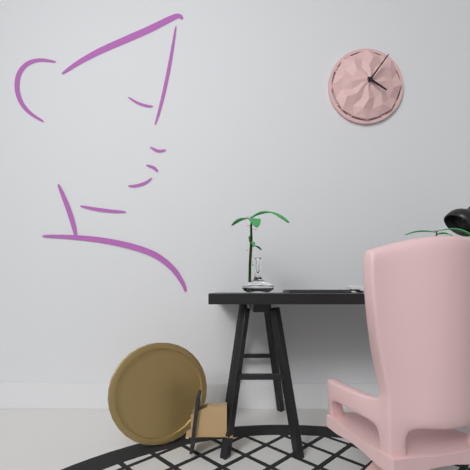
4:06
